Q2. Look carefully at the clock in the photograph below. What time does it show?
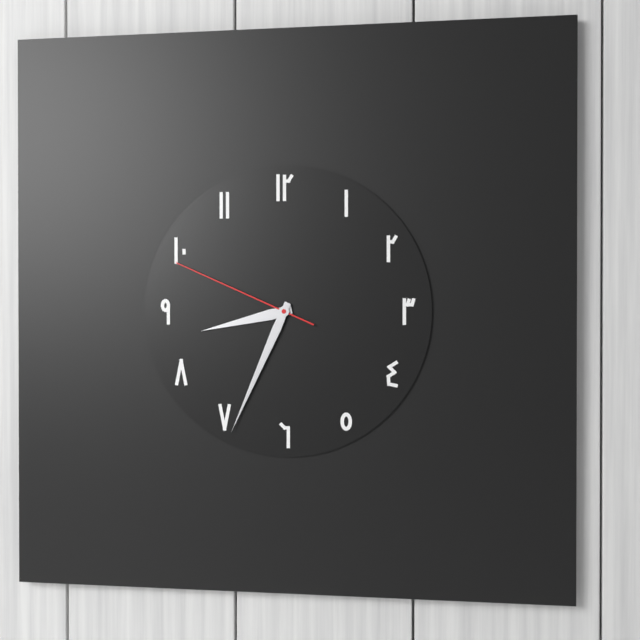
8:34:49
